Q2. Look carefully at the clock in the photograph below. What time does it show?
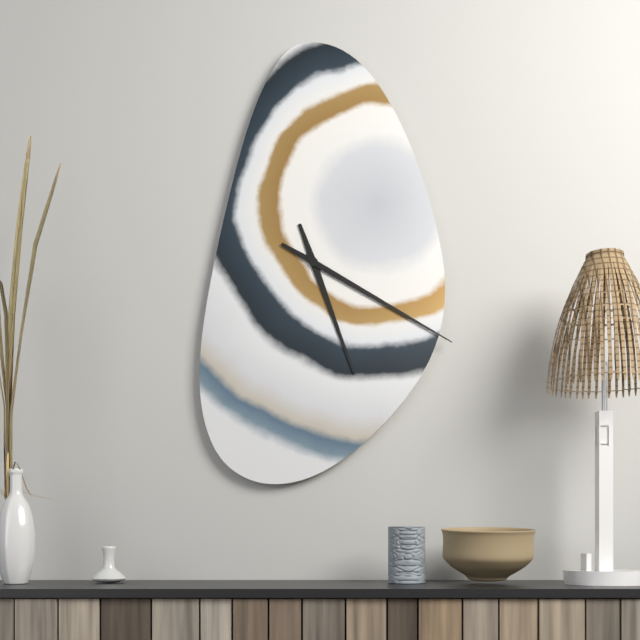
5:20
